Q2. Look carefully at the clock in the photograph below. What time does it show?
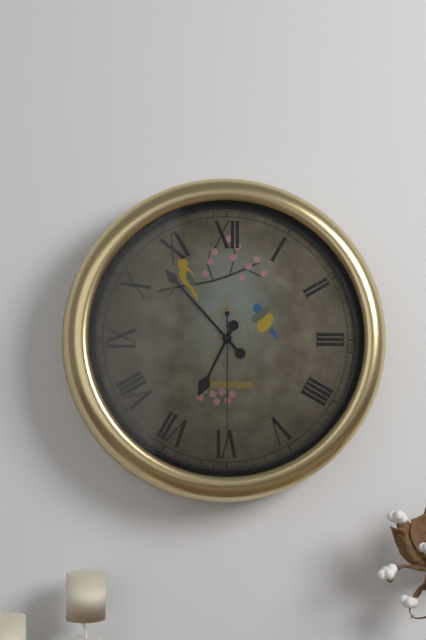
6:53:30
